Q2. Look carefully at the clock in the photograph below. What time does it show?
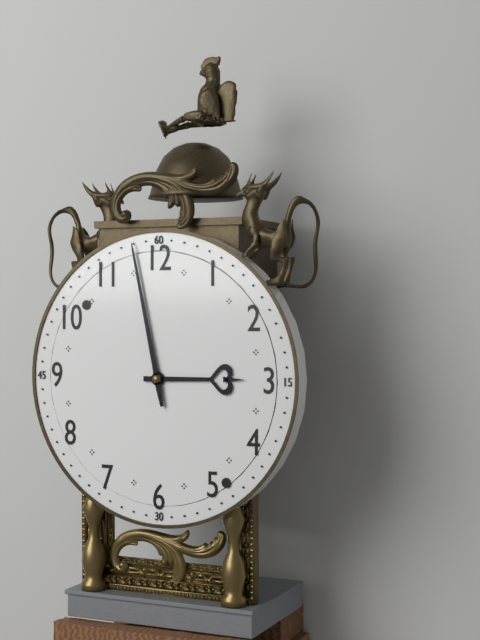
2:58
